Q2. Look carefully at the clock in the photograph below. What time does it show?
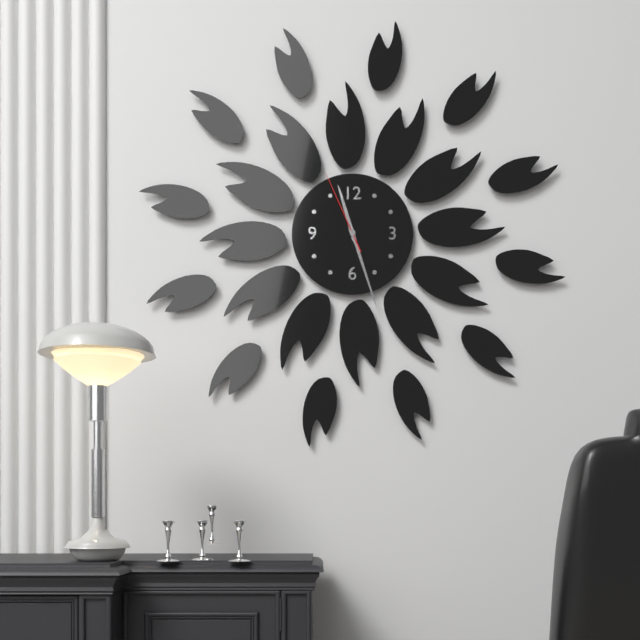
11:27:56
